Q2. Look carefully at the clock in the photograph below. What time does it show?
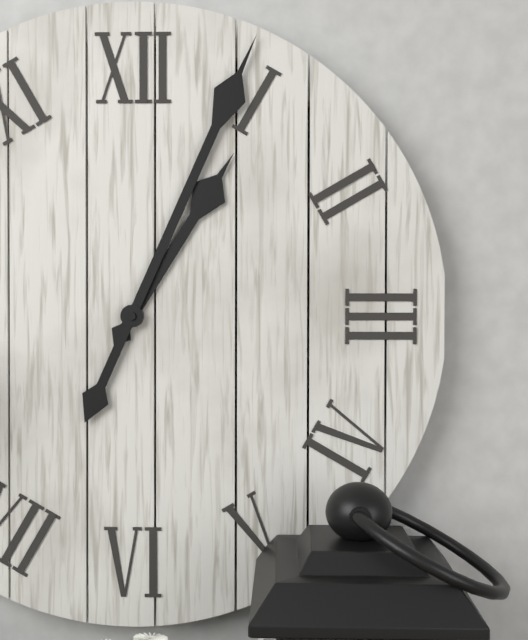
1:04
